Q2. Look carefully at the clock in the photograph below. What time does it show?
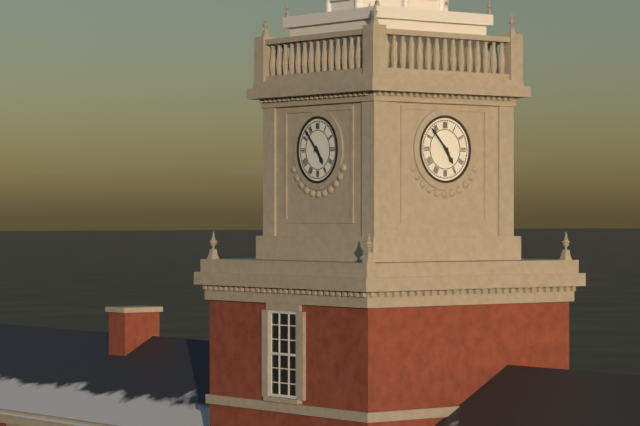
4:53
